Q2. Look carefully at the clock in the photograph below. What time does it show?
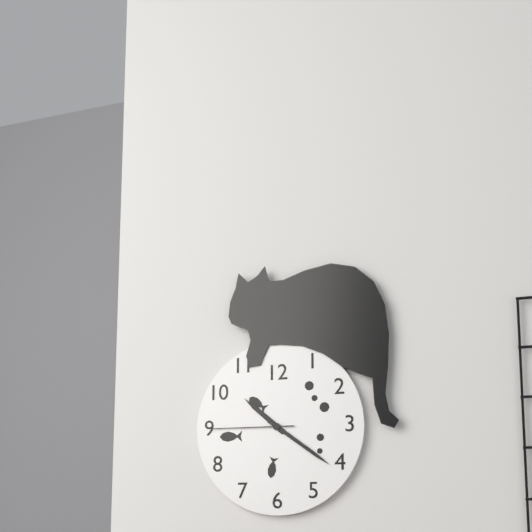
10:21:45
